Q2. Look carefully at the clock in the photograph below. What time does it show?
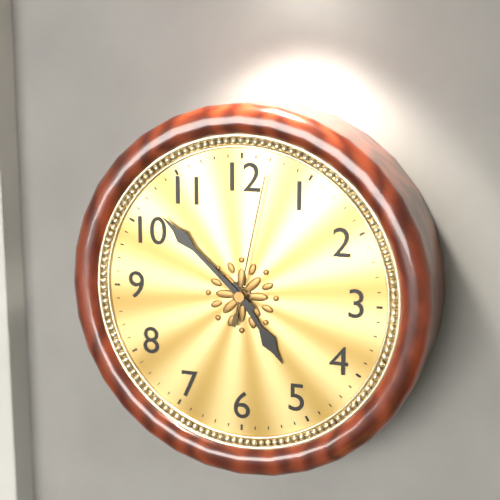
4:52:02
